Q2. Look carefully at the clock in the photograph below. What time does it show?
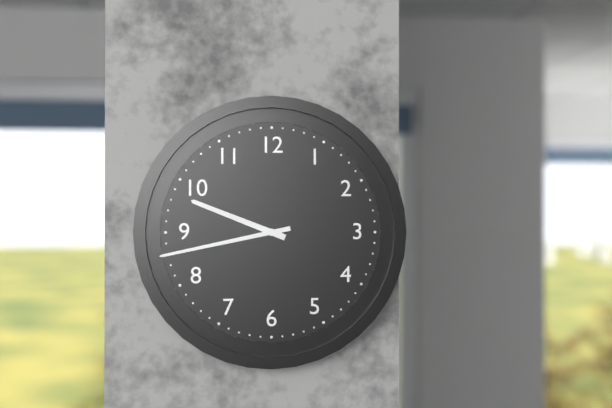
9:43
